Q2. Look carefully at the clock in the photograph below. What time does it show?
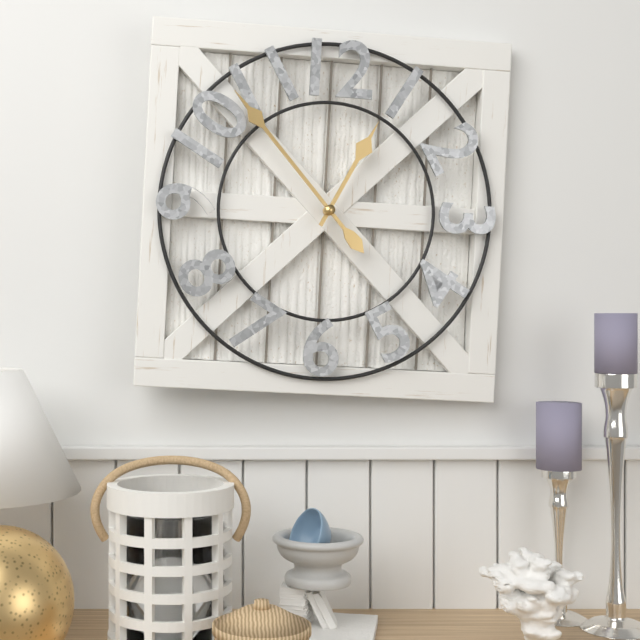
12:53
